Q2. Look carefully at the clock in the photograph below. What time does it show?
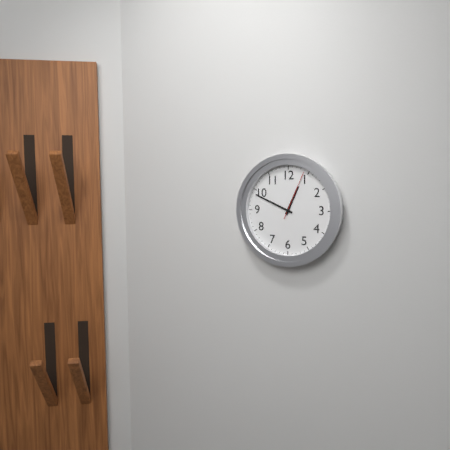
12:49:04
